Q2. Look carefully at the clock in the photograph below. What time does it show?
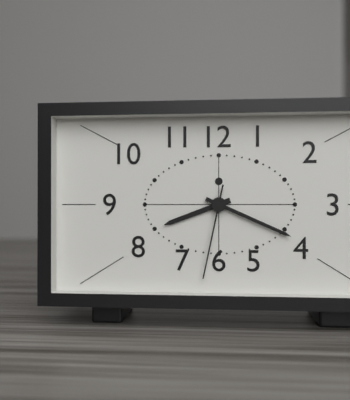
8:19:32
